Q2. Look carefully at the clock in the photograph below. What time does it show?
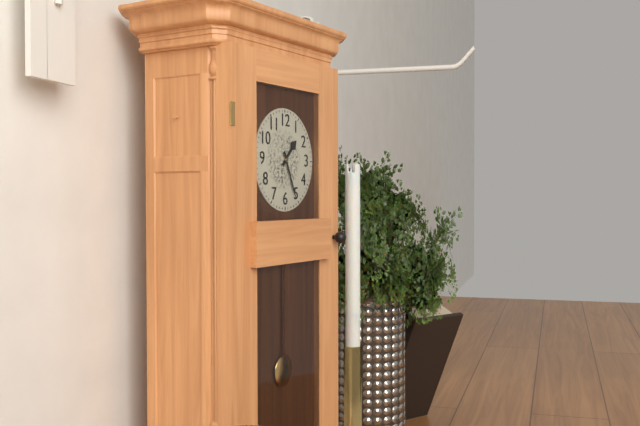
1:26
